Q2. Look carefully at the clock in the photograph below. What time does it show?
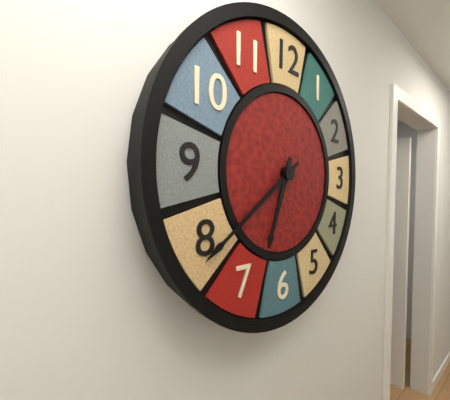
6:39
